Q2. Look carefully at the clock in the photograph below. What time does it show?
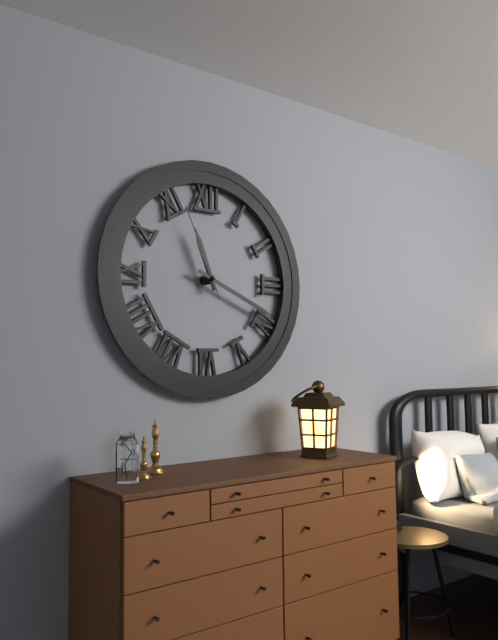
11:19:56
